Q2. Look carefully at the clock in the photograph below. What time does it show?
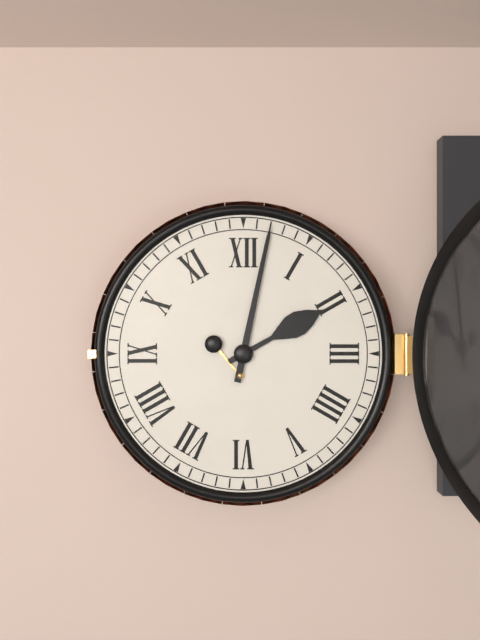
2:02
